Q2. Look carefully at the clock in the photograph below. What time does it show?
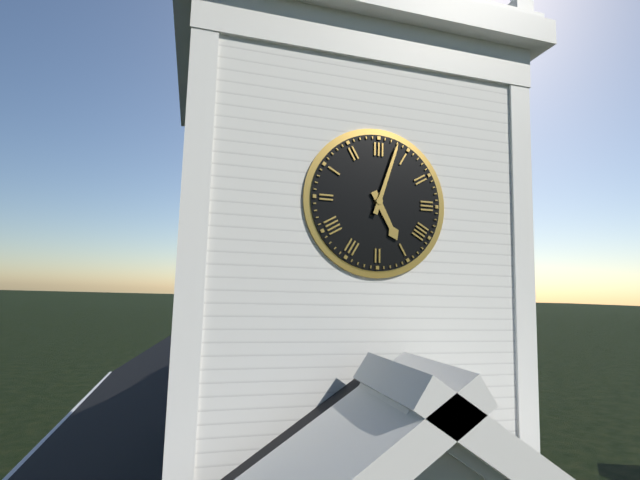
5:03
